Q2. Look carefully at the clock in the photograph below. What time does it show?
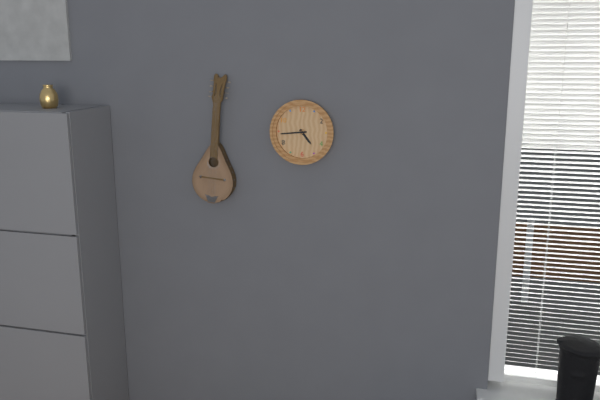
4:44
